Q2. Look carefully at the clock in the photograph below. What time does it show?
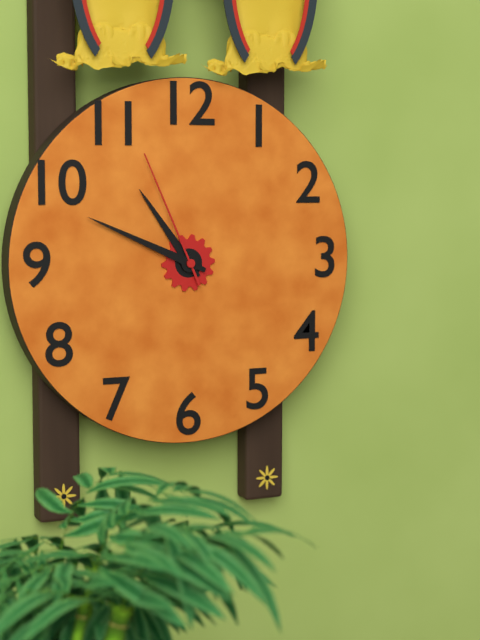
10:49:56
